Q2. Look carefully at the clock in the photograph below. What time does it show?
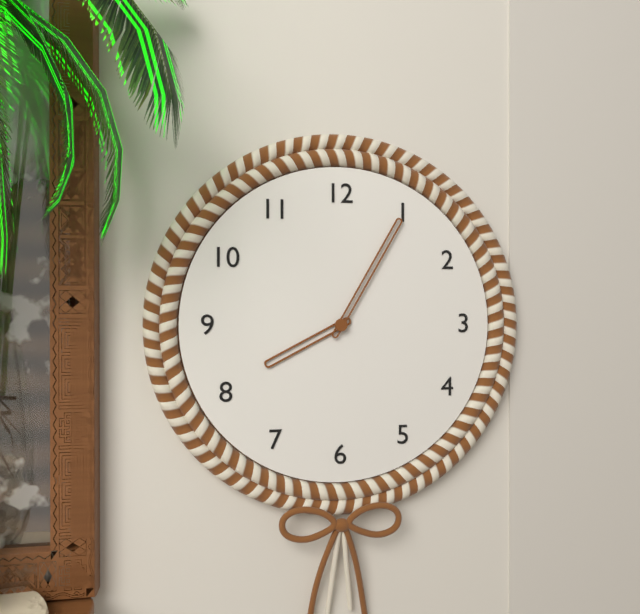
8:05
